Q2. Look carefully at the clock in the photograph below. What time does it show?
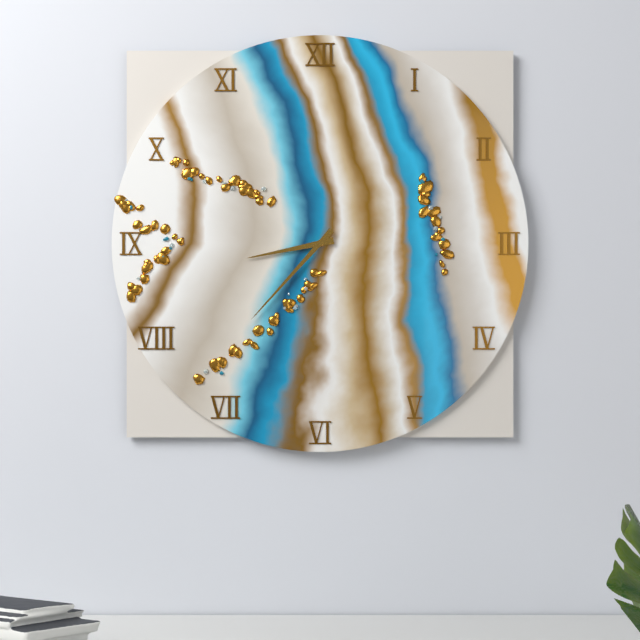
8:37
